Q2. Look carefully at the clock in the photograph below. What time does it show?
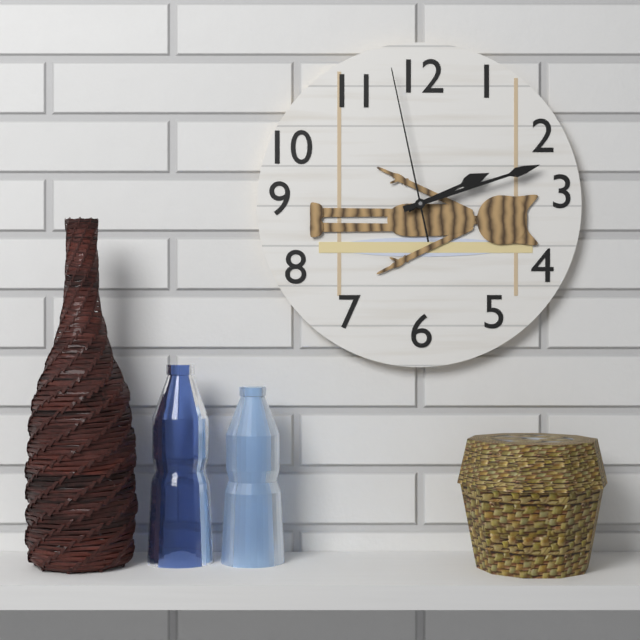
2:12:58
